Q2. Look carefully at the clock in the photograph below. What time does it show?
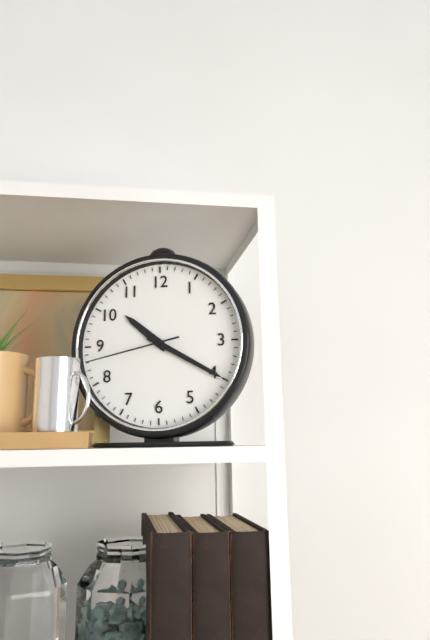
10:20:43
